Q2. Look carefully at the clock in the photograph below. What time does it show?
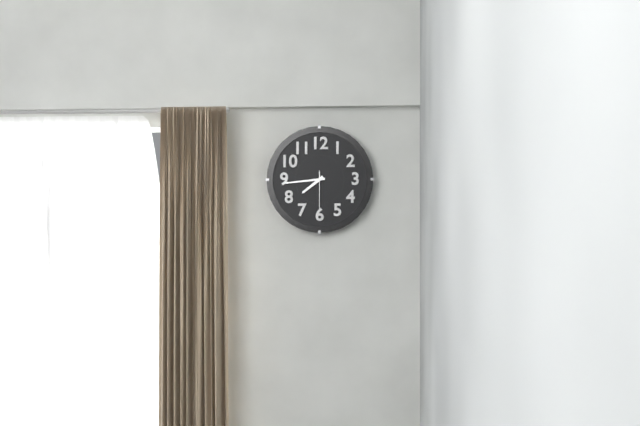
7:44
